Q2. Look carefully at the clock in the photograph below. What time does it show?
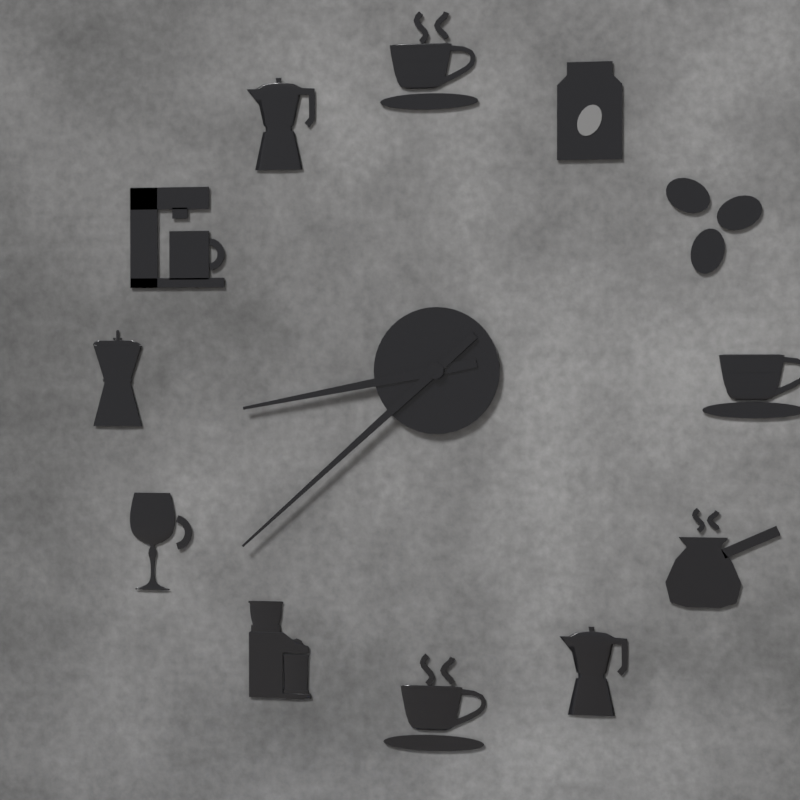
8:38
